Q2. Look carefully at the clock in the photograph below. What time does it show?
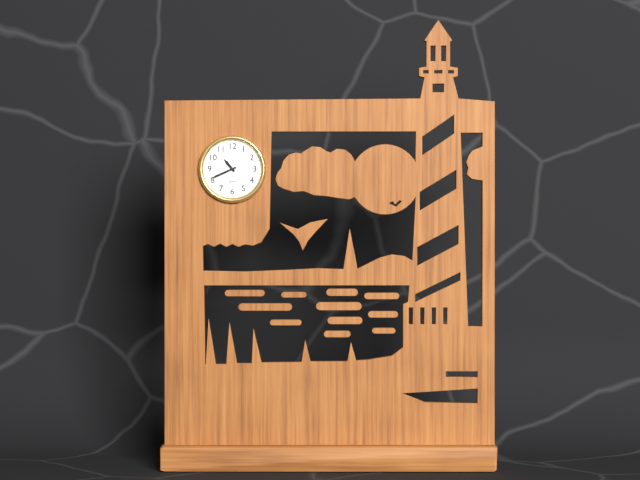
10:41
